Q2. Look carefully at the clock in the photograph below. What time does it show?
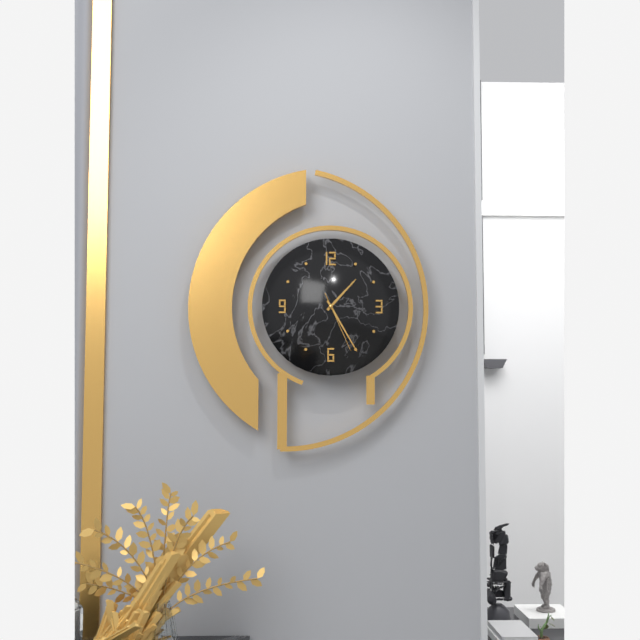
1:25:26
